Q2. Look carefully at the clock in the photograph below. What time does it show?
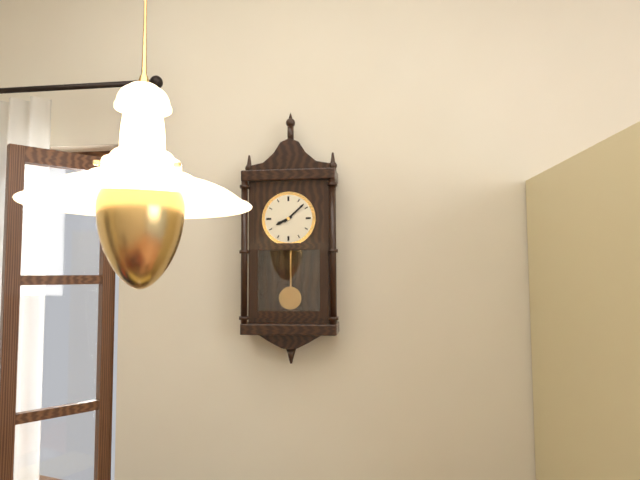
8:08
